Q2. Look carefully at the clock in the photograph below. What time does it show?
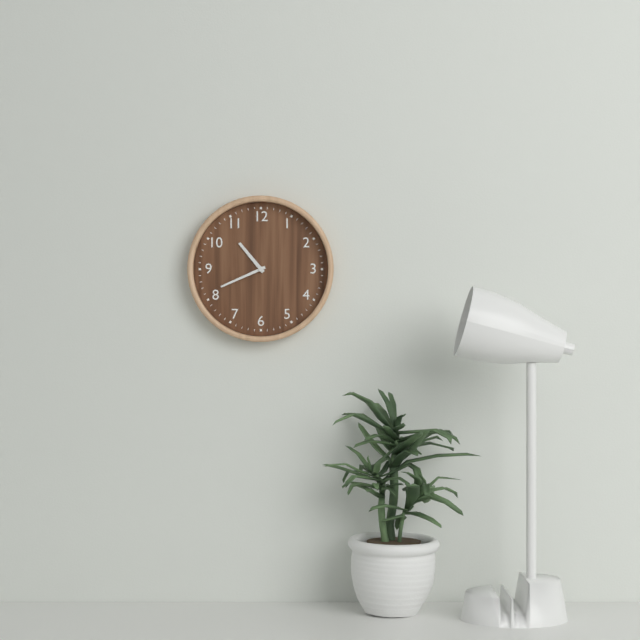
10:41
